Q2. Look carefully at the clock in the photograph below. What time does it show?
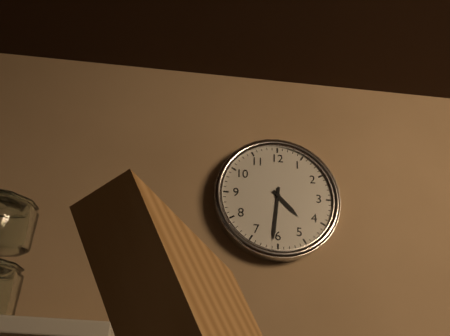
4:31
